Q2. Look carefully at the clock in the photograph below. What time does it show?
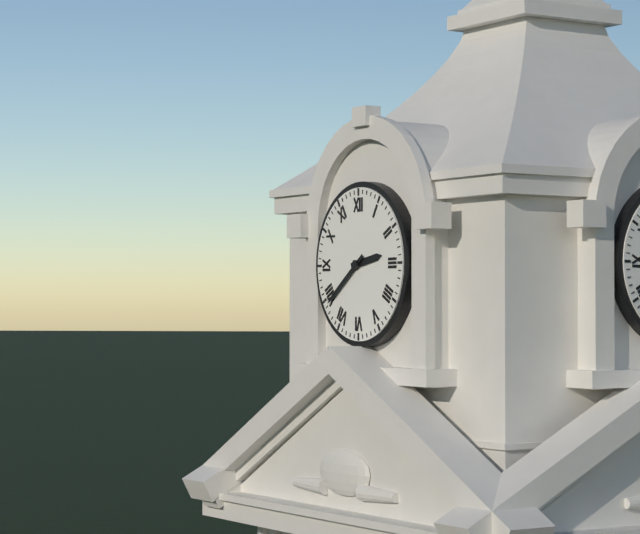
2:39
